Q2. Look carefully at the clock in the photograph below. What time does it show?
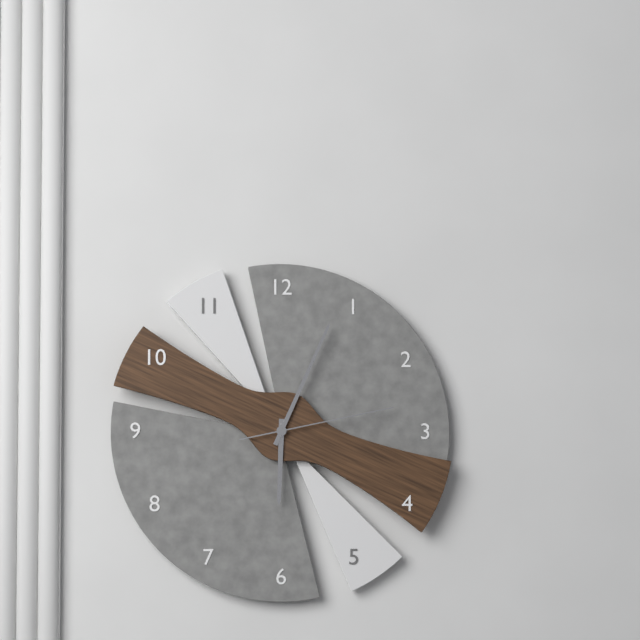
6:04:13
